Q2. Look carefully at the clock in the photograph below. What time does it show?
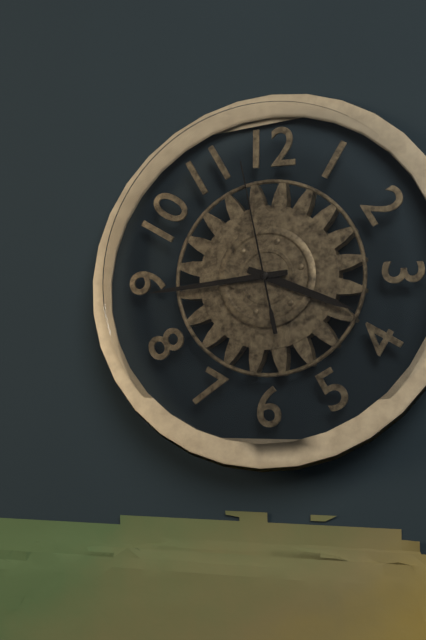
3:44:58
